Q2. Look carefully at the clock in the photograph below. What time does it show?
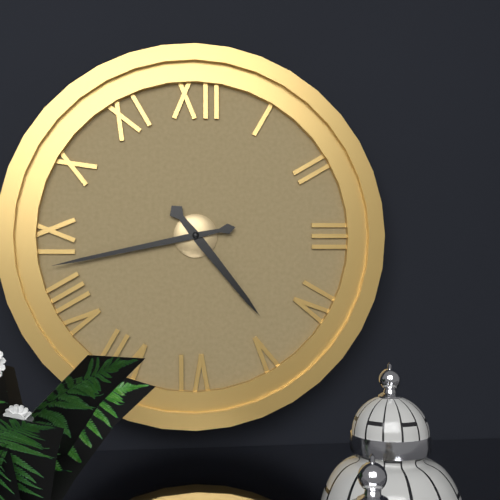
4:43
